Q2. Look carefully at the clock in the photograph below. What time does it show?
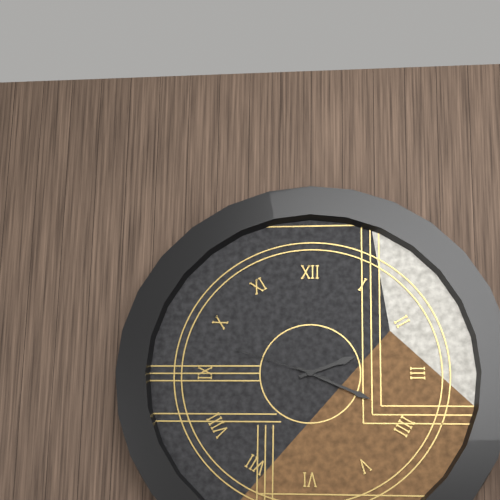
2:19:48
